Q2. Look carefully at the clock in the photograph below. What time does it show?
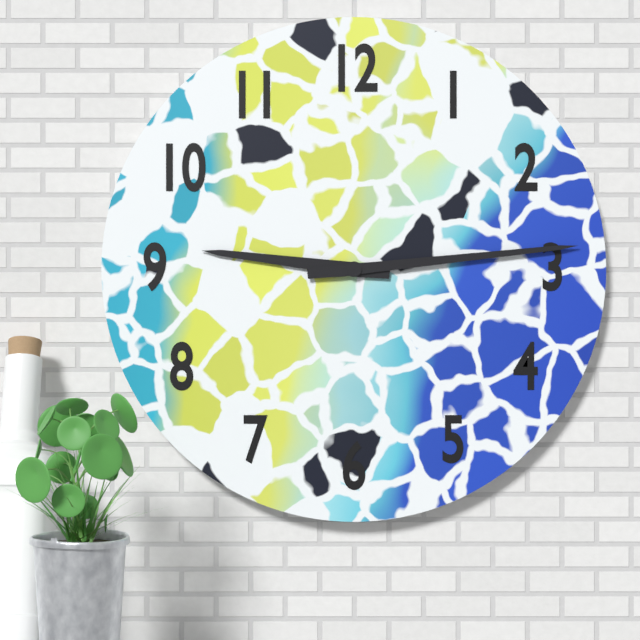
9:14
